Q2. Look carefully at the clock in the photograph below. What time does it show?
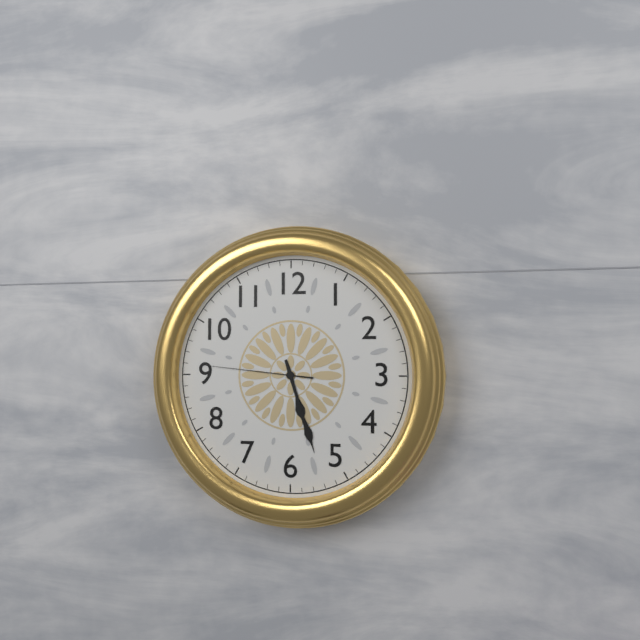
5:27:46
